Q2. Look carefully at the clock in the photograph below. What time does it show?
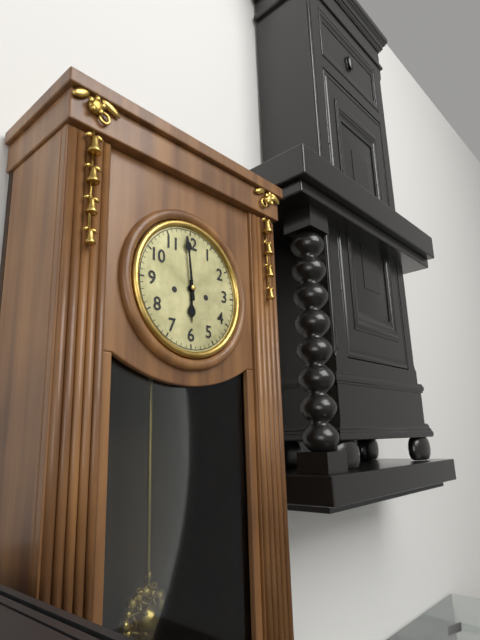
5:59
